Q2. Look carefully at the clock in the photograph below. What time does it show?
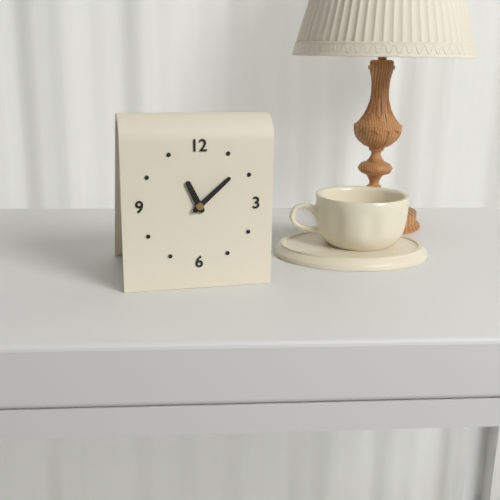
11:08
